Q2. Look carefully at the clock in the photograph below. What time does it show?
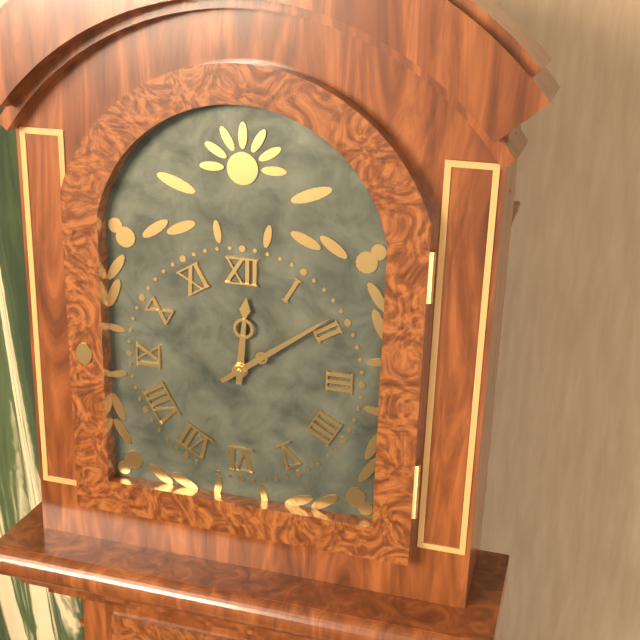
12:09
